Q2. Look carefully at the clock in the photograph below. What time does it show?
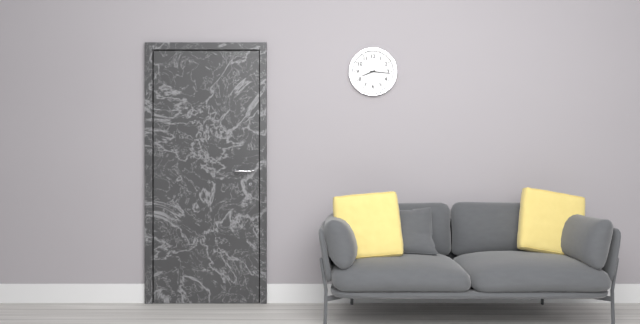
8:16
